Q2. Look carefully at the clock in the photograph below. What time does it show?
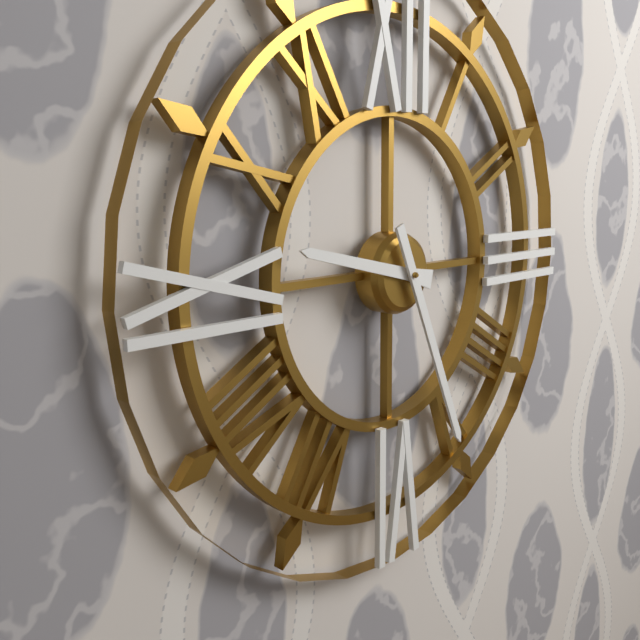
9:26
